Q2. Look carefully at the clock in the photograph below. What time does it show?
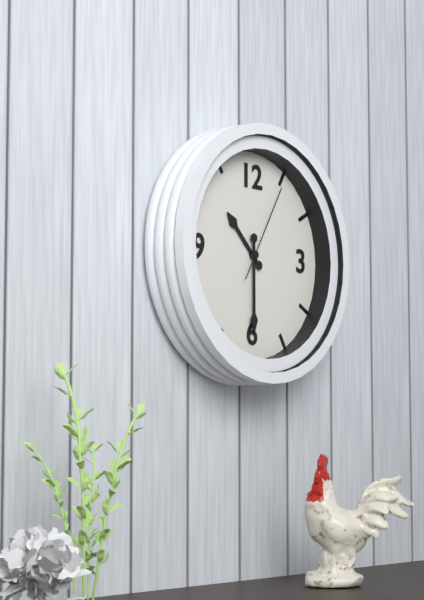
10:30:05
